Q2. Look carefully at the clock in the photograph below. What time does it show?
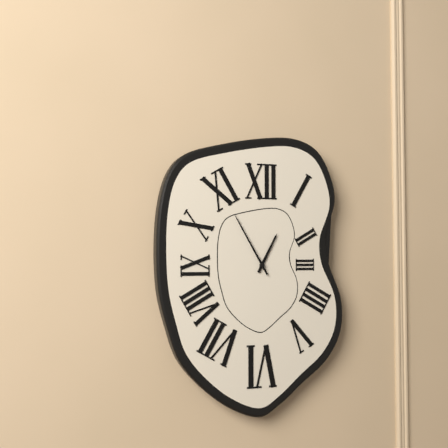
12:55
